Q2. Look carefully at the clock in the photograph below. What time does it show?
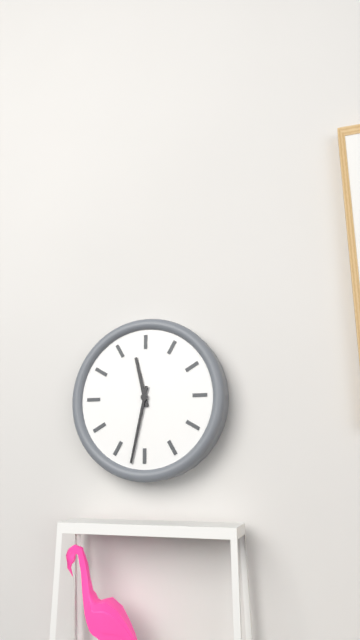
11:32
